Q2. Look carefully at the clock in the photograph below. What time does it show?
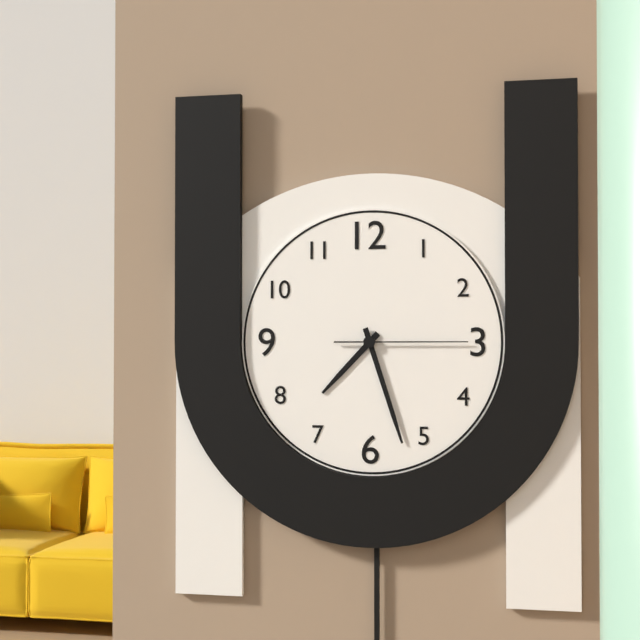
7:27:15
